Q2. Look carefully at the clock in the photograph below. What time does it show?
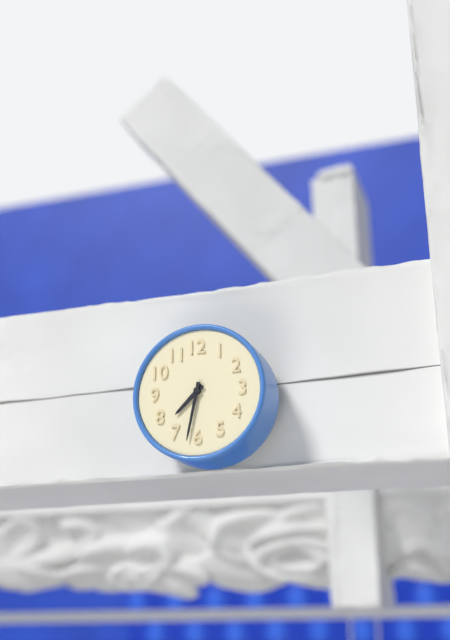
7:32
